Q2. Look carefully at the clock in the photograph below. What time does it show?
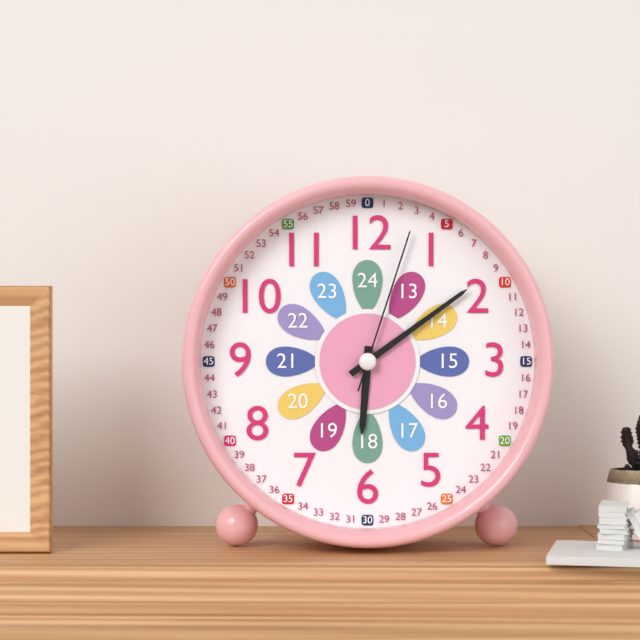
6:09:03
